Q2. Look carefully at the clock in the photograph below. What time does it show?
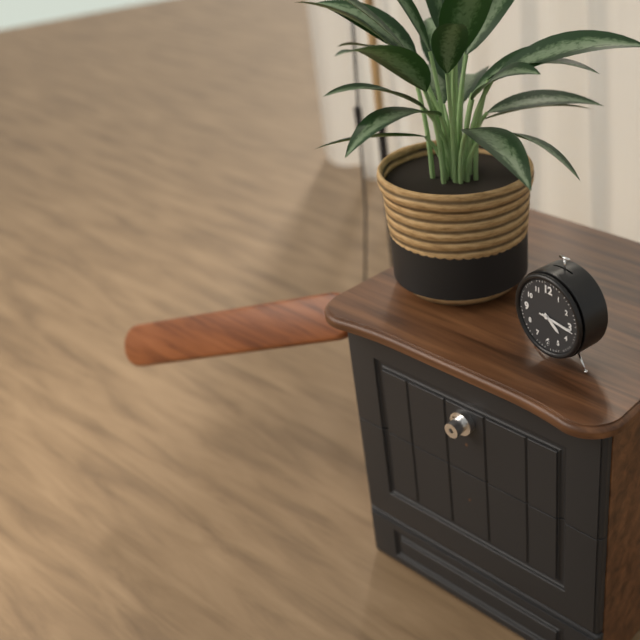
4:16
